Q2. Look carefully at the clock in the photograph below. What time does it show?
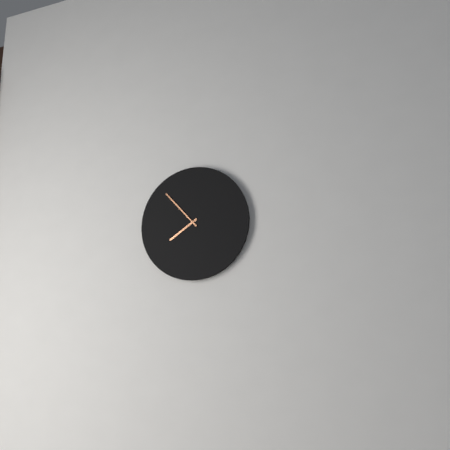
7:53
